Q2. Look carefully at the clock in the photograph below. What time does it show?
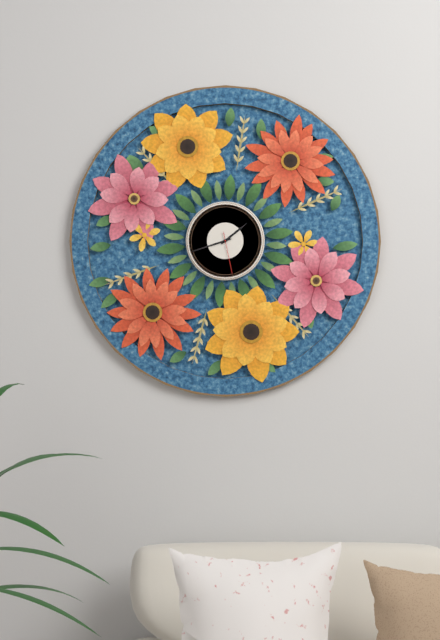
1:42
